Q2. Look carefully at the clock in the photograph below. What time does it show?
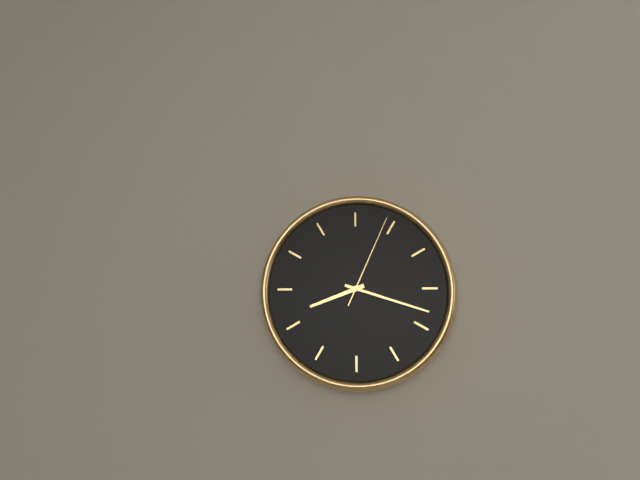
8:18:04
